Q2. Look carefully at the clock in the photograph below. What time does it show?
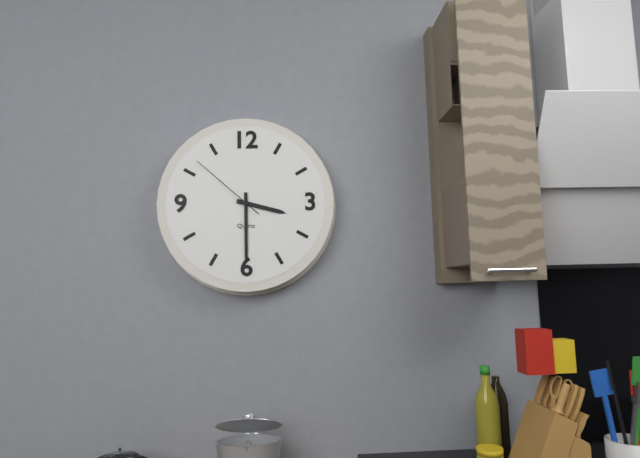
3:30:52
